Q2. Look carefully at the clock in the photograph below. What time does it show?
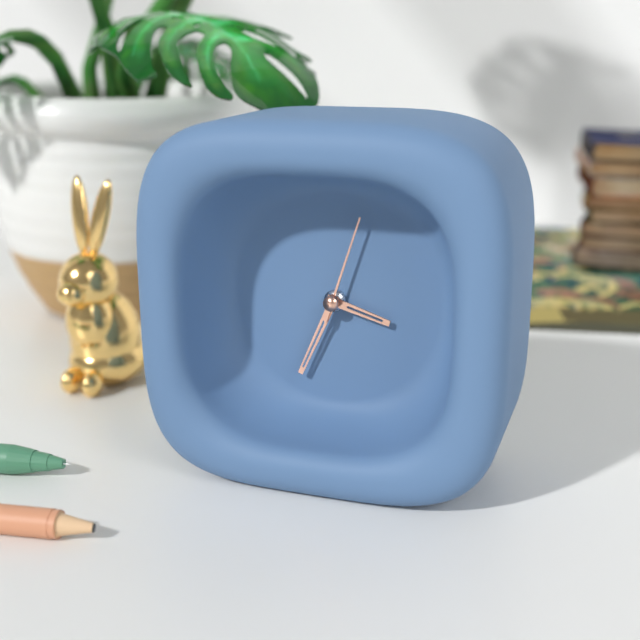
3:34:03
